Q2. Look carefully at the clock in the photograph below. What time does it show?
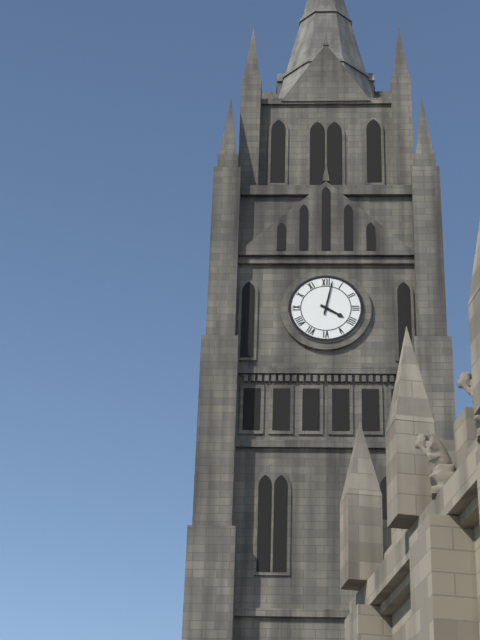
4:02
